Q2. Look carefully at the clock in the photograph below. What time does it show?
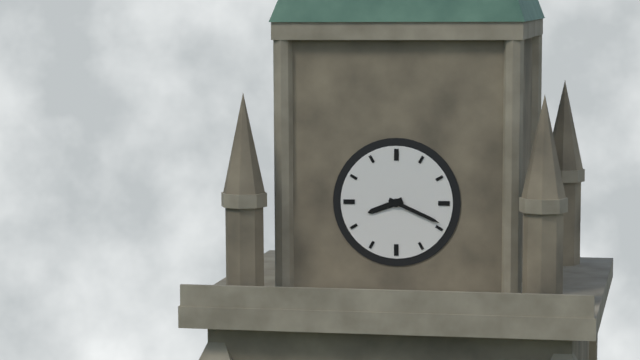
8:19
